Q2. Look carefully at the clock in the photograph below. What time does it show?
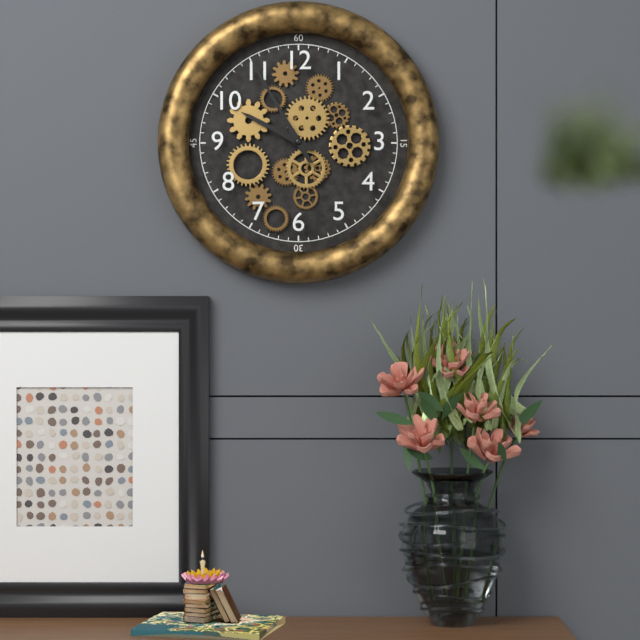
9:55
